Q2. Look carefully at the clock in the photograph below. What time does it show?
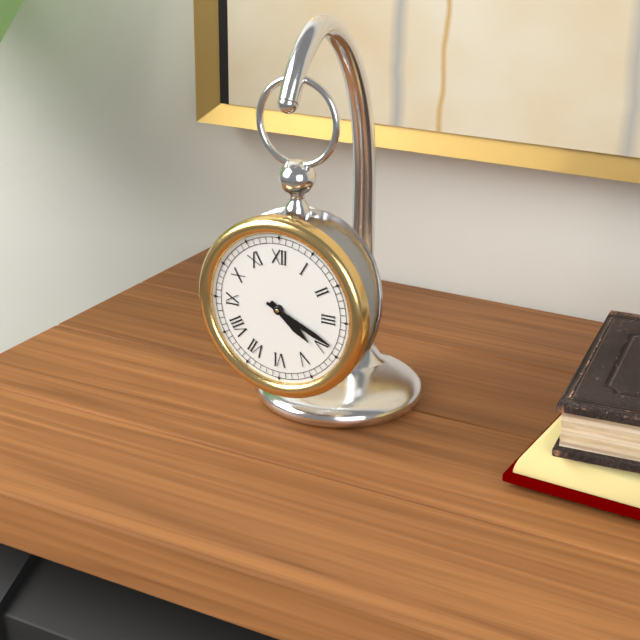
4:19
